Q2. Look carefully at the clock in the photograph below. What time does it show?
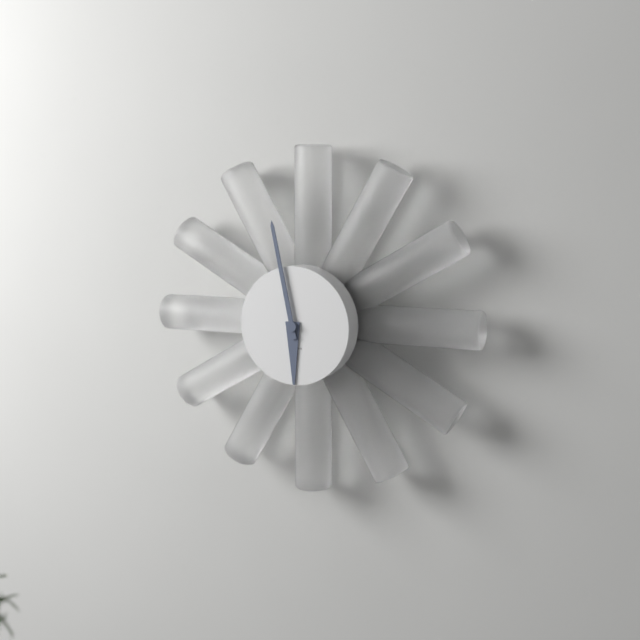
5:58
